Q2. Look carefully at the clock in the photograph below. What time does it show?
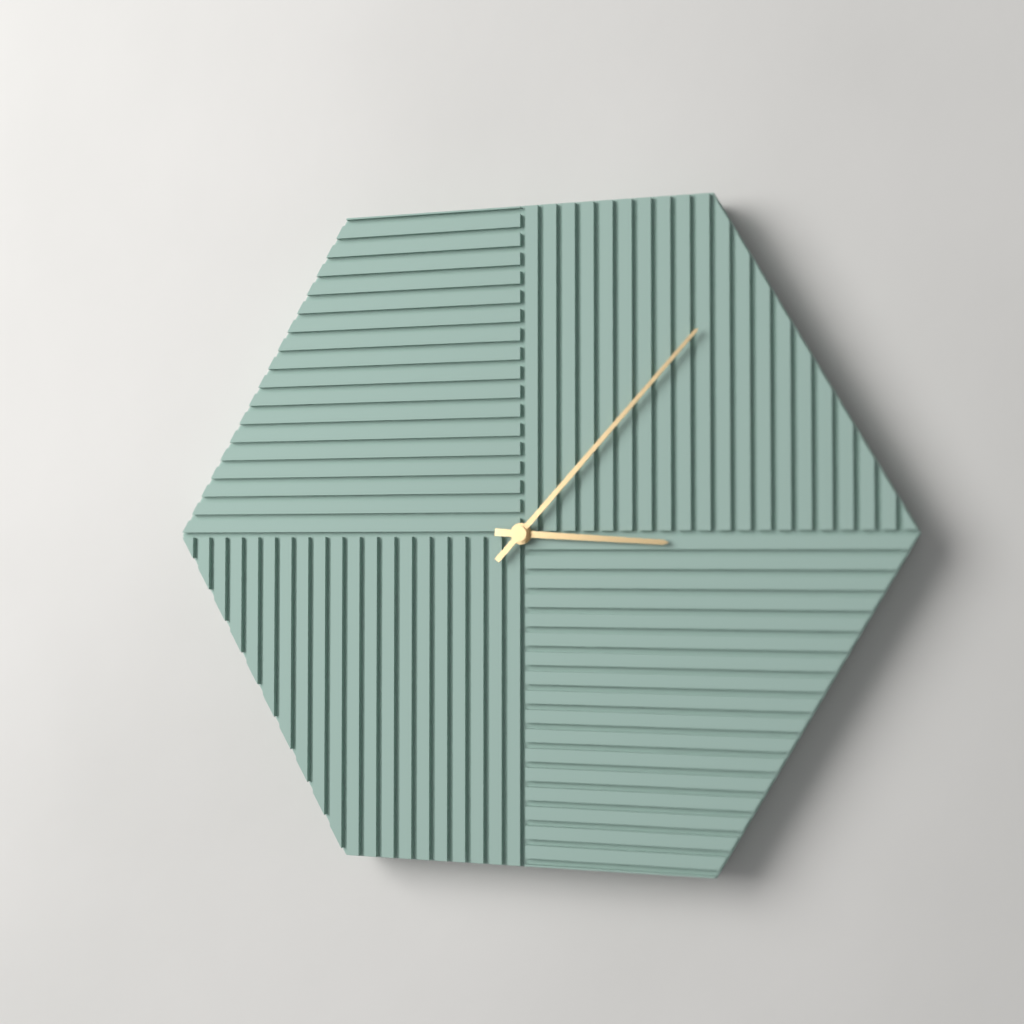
3:07
